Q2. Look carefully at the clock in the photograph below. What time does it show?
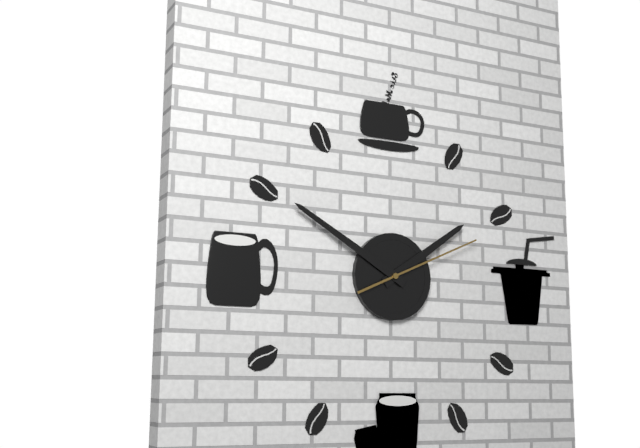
1:50:11
